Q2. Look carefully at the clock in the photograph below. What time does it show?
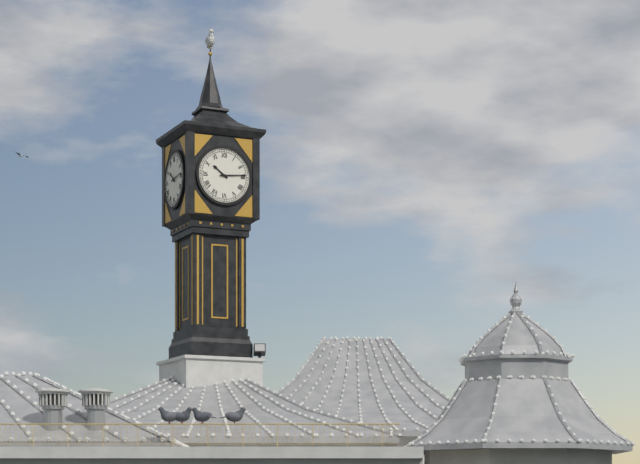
10:14
